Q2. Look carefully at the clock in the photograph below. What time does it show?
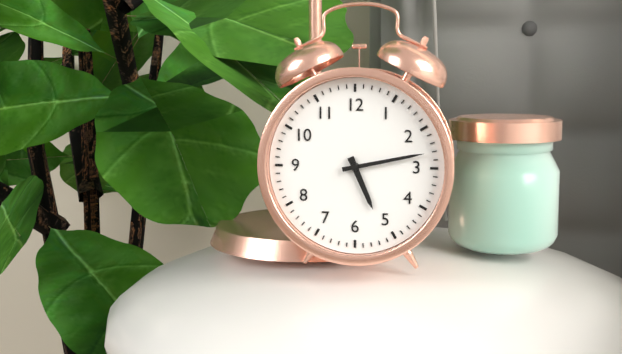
5:13
